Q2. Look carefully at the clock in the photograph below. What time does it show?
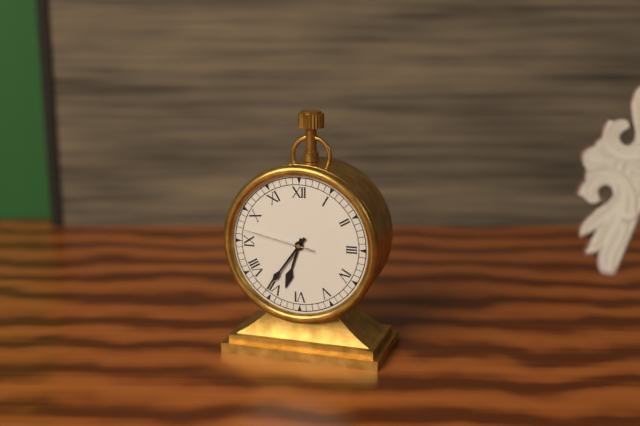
6:36:47
